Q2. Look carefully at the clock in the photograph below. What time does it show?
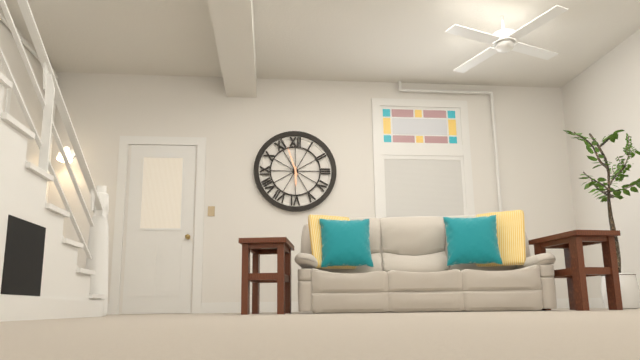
5:57
